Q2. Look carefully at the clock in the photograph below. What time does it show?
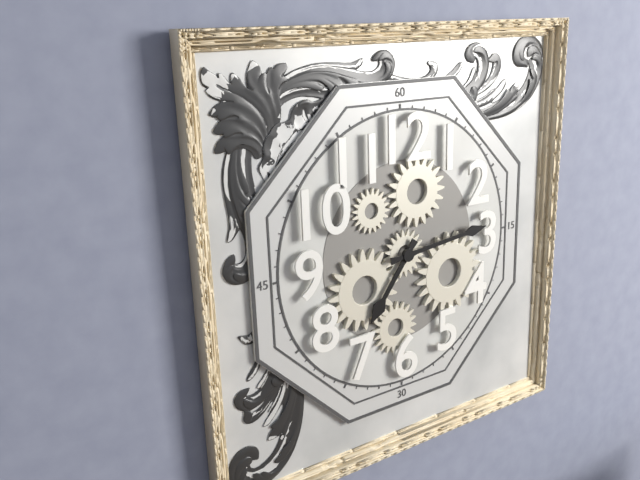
7:14
